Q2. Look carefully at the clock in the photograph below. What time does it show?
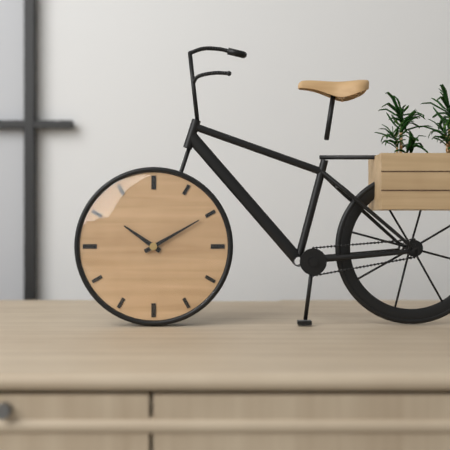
10:10
